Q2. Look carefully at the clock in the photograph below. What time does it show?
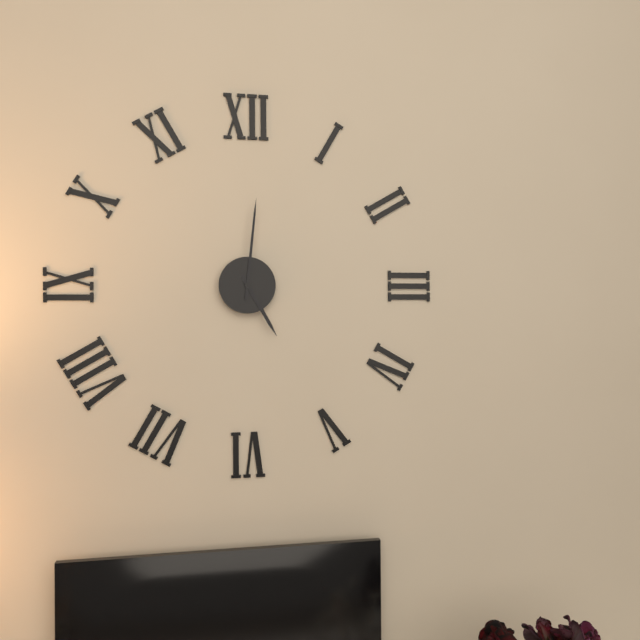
5:01
